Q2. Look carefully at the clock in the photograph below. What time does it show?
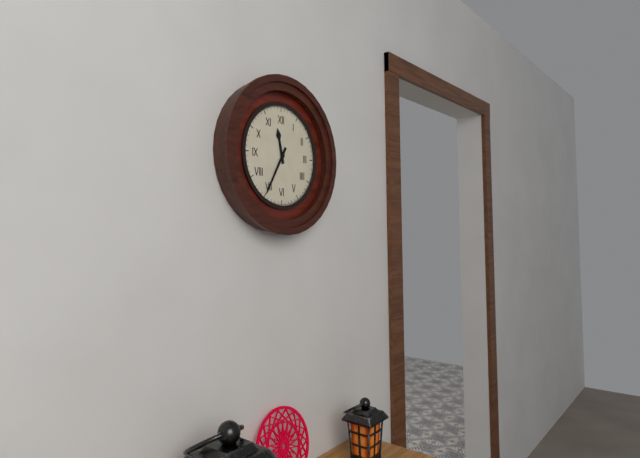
11:35
